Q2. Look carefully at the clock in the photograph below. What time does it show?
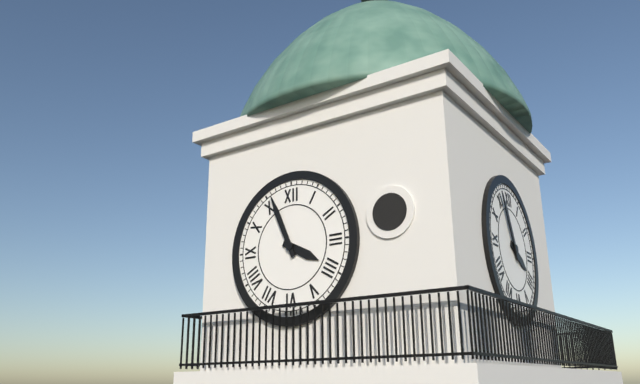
3:56
